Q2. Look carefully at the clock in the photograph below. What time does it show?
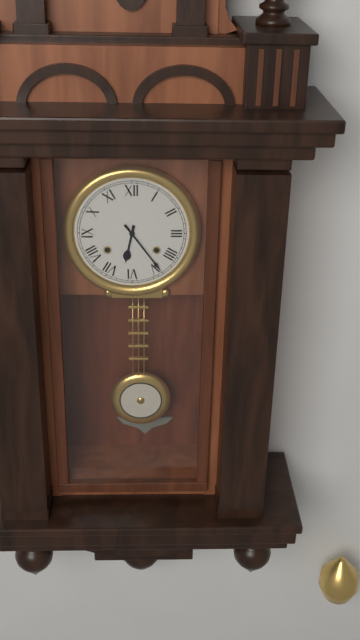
6:24
